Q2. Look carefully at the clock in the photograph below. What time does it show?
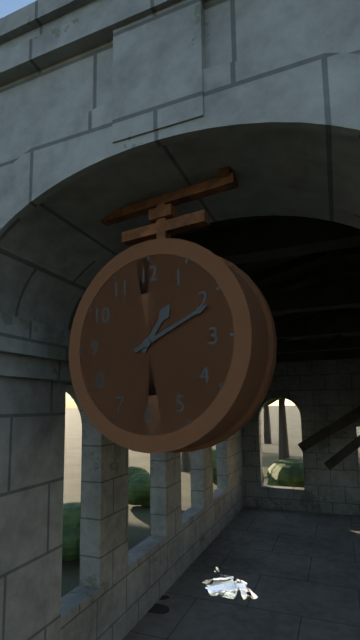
1:11
